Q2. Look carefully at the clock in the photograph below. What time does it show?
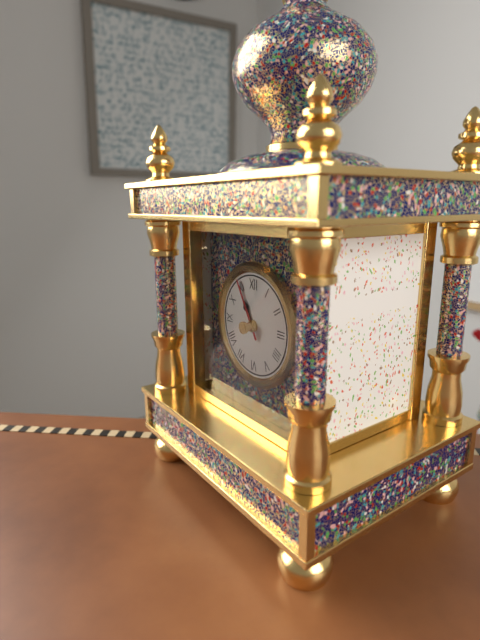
10:55
